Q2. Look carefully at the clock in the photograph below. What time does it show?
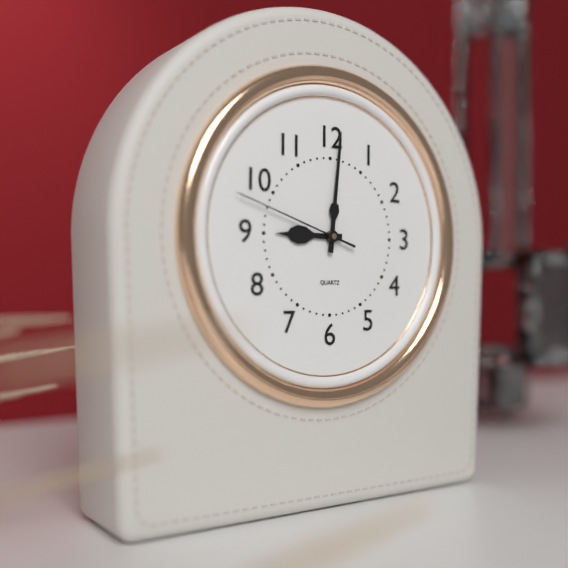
9:01:48
